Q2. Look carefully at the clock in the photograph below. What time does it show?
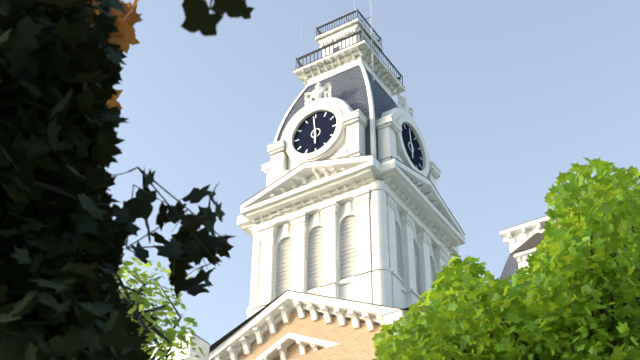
5:59
